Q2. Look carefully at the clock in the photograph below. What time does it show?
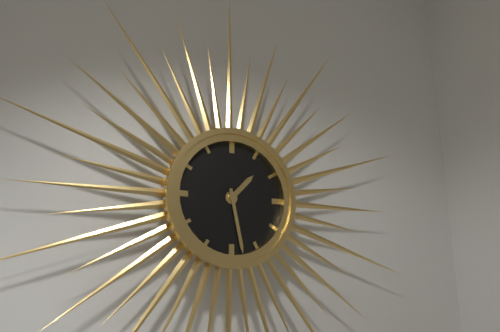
1:28
